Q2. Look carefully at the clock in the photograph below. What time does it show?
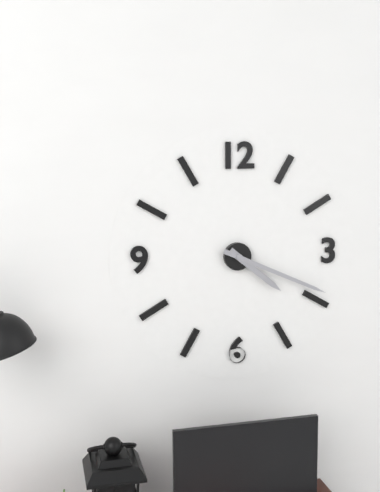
4:19
